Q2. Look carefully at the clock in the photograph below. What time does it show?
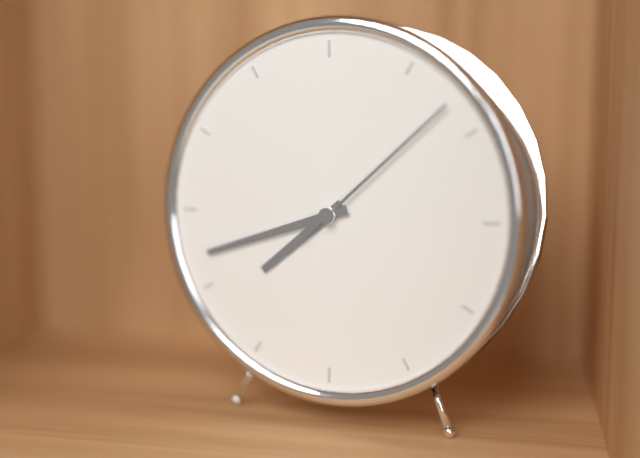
7:42:08
